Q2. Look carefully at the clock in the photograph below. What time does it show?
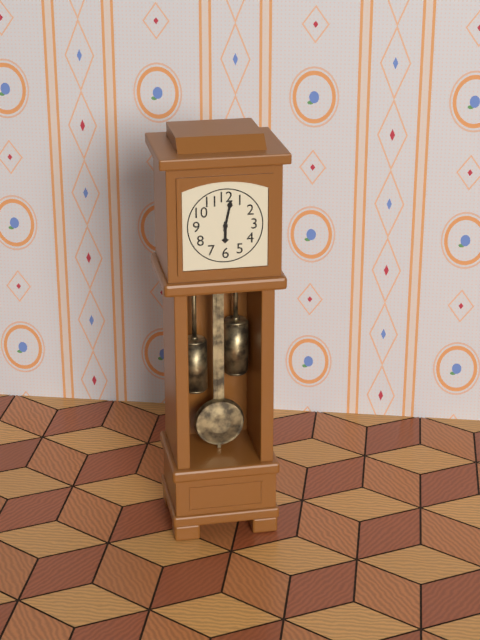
6:02
